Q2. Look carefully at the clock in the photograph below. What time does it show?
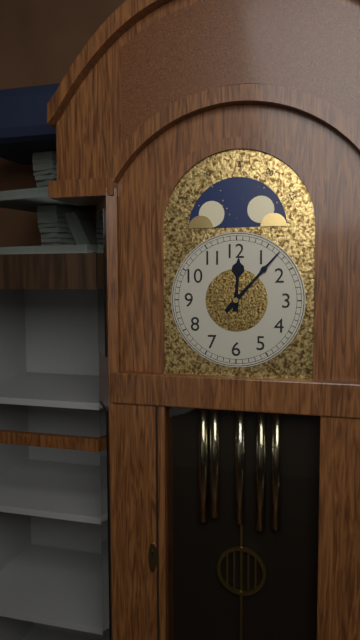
12:07
